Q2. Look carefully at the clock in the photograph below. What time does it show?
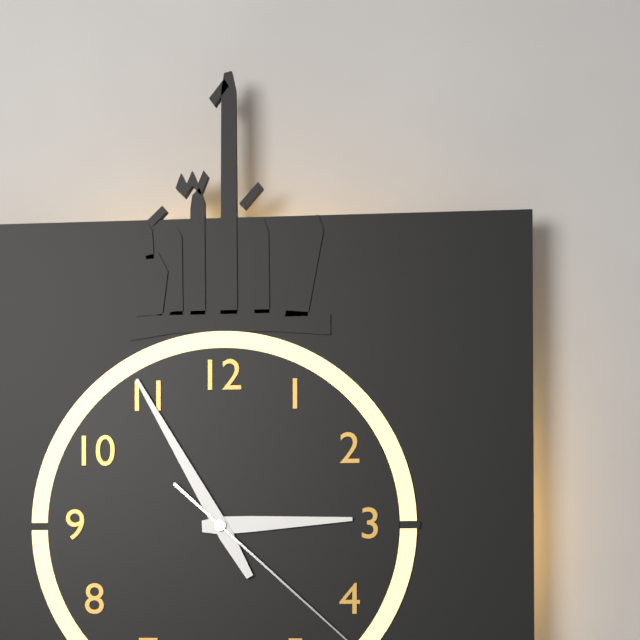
2:55
